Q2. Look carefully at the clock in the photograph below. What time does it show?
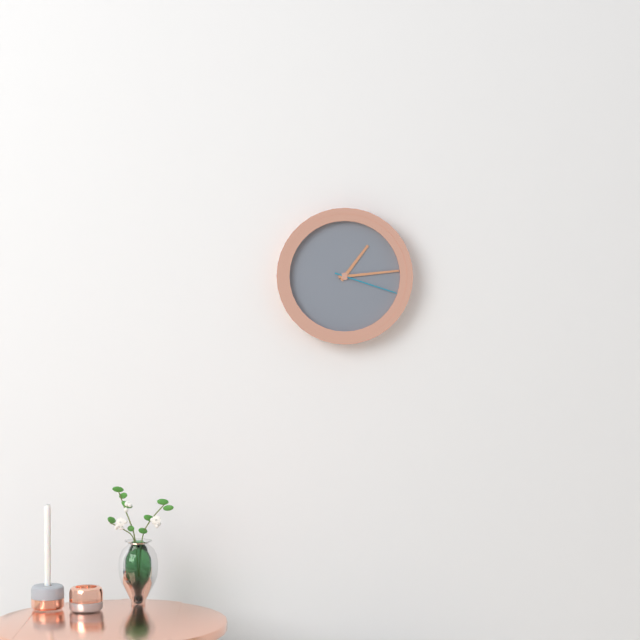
1:14:18
